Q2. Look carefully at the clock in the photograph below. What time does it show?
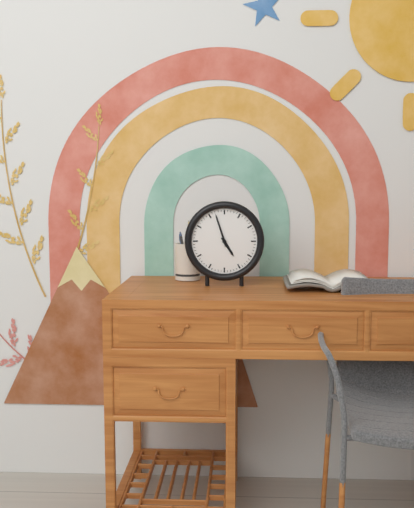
4:57
